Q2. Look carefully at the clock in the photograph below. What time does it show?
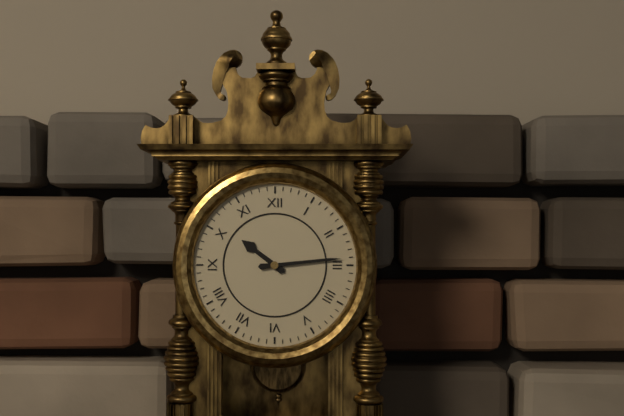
10:14
